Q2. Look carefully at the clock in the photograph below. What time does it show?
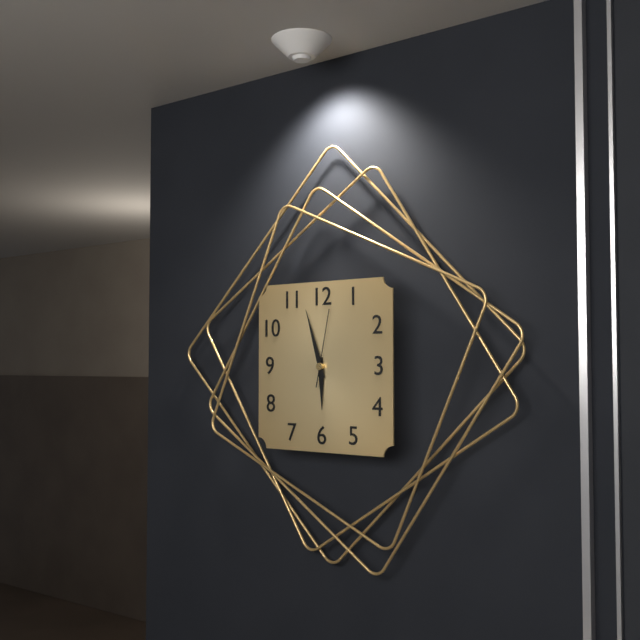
5:57:02
